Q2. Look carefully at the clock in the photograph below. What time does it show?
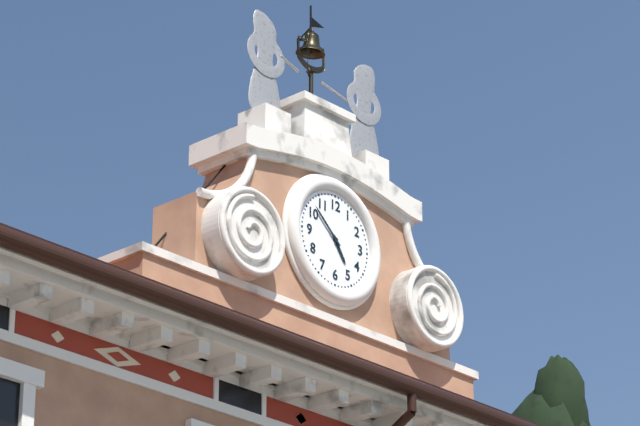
4:52
